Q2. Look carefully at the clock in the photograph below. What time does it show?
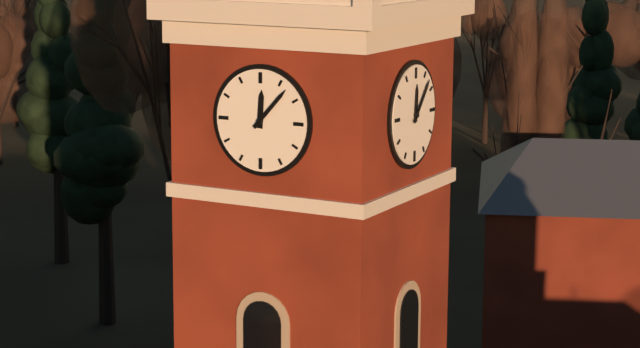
12:07
